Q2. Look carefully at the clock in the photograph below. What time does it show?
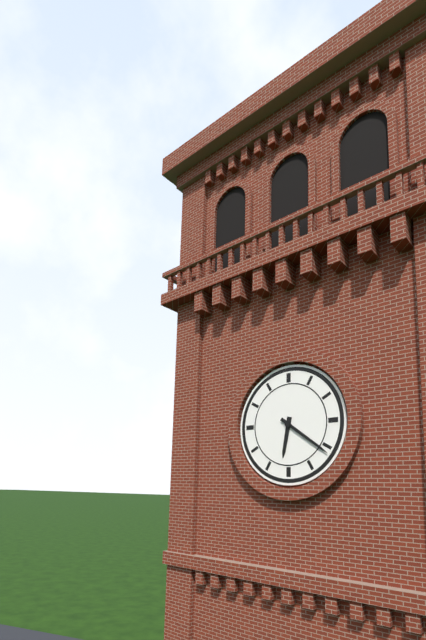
6:21
